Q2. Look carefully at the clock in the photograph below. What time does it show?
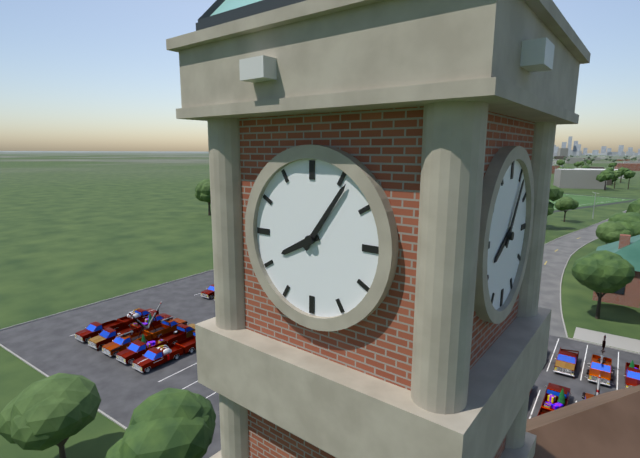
8:06
